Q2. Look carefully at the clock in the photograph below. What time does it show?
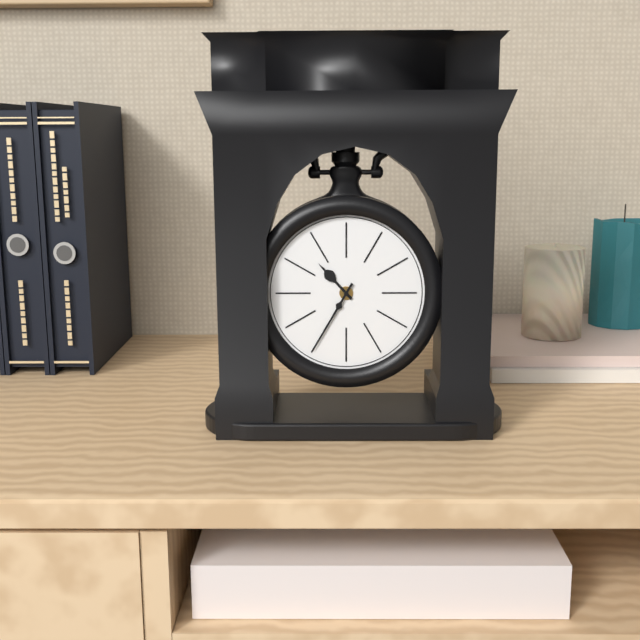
10:35
